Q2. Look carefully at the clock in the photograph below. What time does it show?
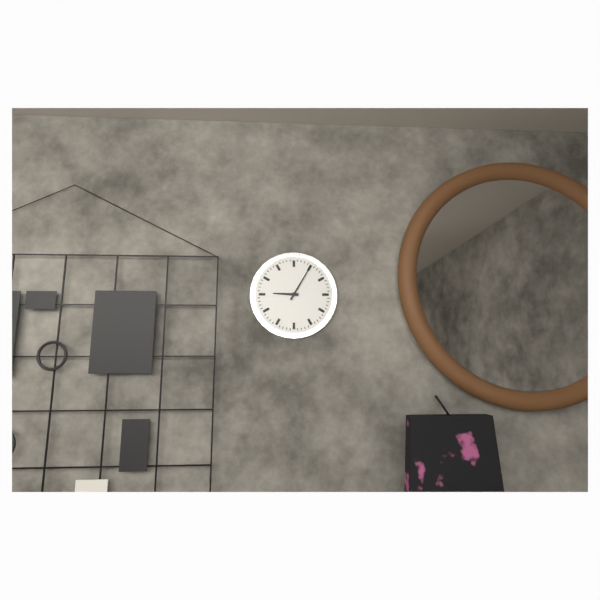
9:05
